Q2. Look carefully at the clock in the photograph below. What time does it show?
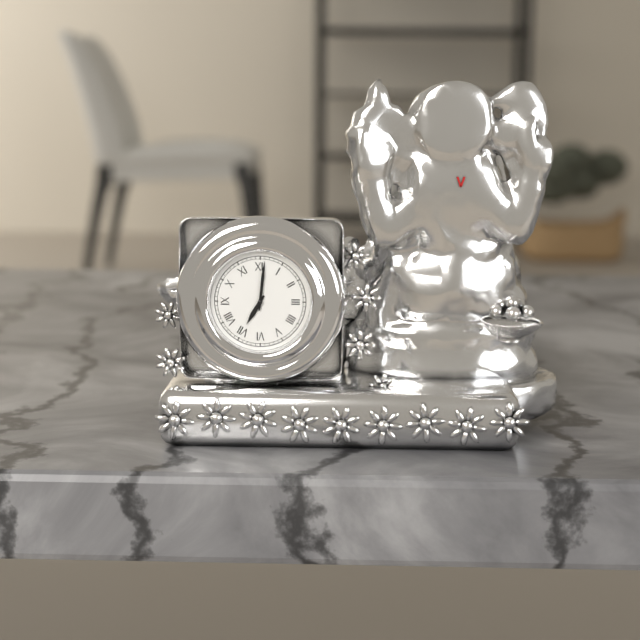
7:01
